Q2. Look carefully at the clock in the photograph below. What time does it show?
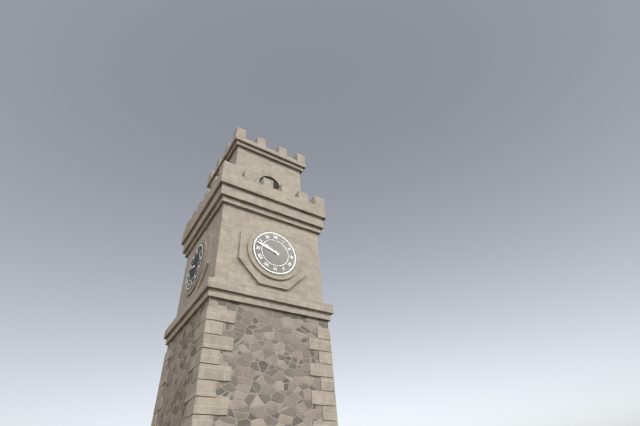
9:48
